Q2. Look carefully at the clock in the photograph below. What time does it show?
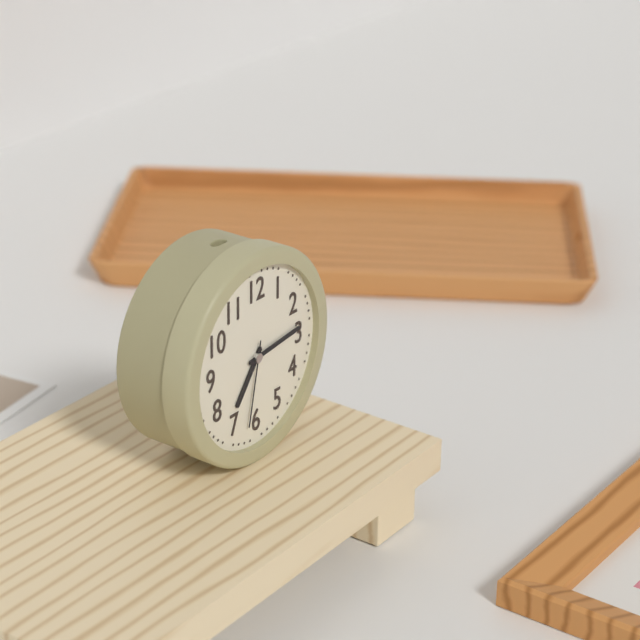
7:14:32
